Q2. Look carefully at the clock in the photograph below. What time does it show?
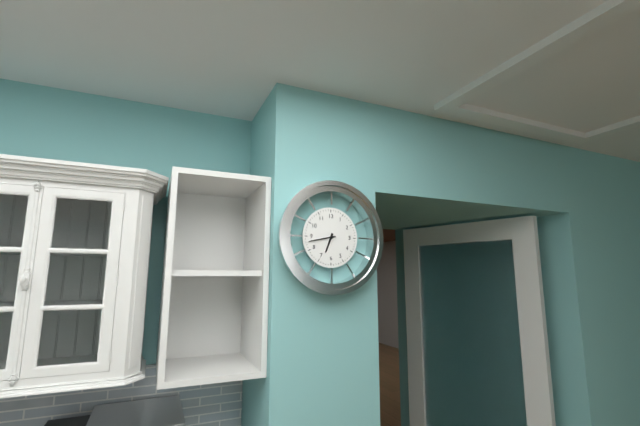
6:43
